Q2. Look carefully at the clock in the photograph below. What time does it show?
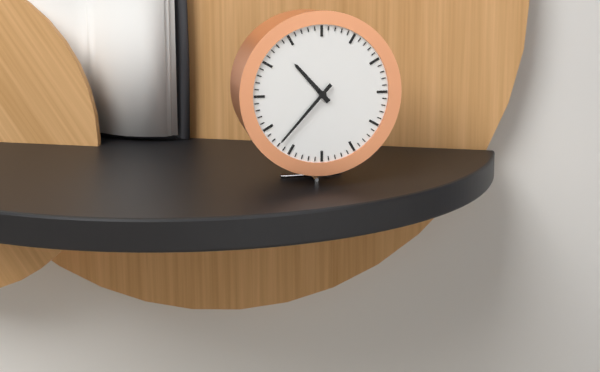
10:37
